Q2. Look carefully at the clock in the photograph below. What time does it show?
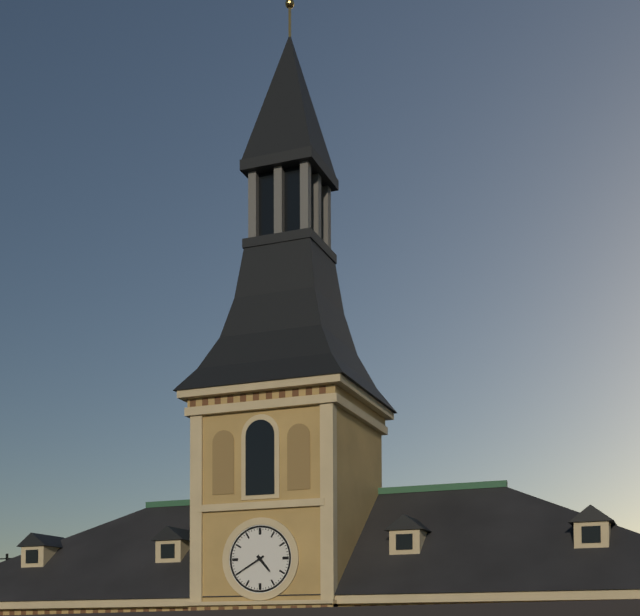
4:40
